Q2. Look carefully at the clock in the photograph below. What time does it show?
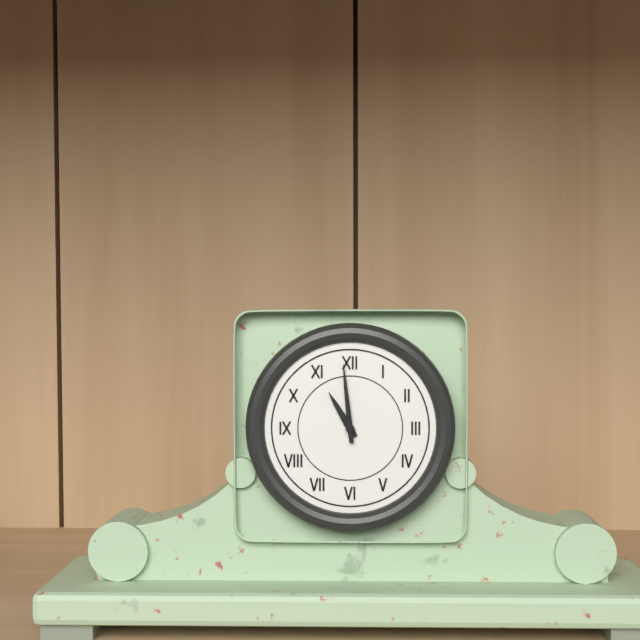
10:59
